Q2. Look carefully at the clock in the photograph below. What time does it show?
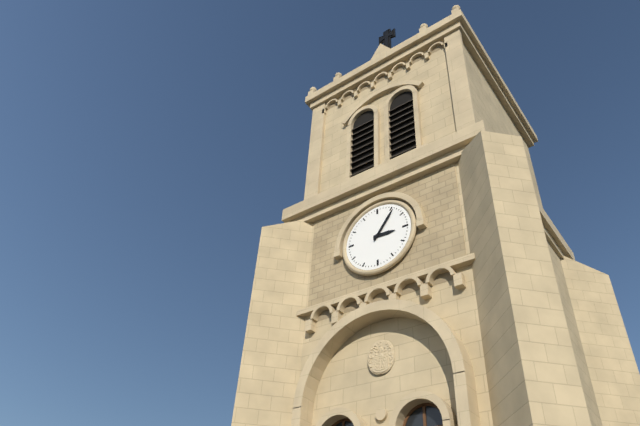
3:06
